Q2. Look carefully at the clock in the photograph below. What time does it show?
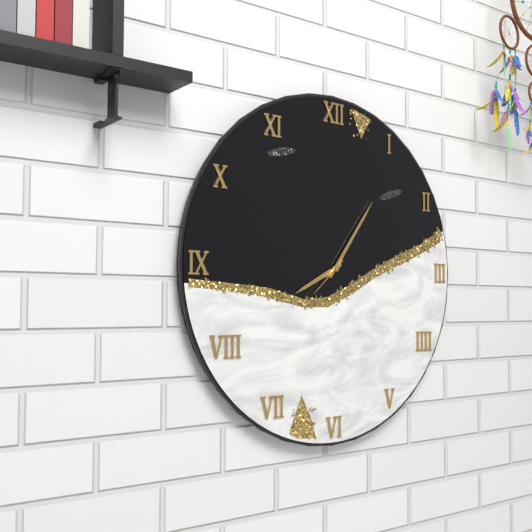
8:06
